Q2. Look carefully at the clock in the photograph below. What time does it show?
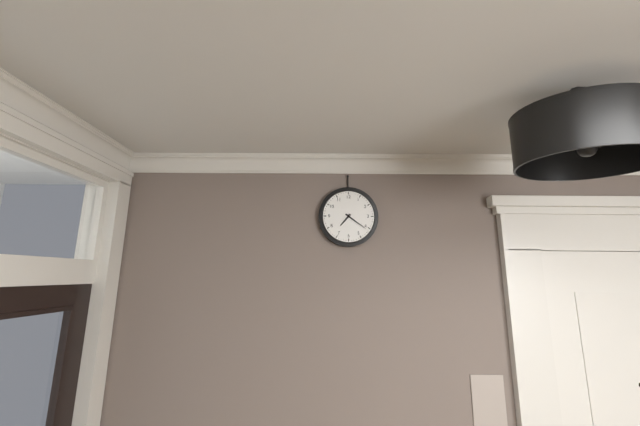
7:21
